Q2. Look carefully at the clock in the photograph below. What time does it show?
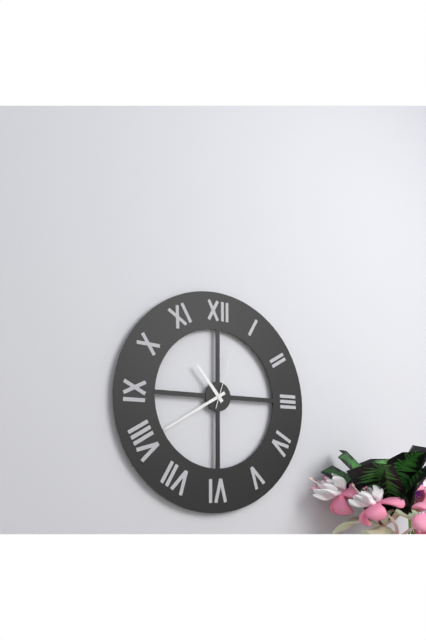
10:40:03
